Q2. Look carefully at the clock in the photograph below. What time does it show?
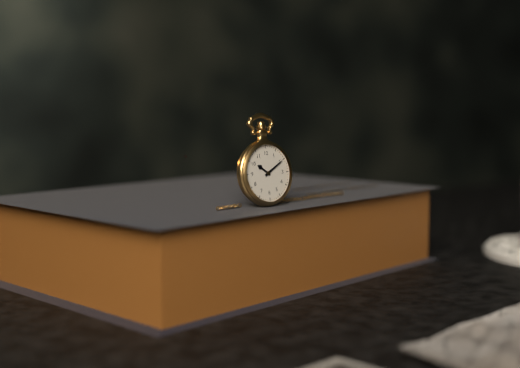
10:10
